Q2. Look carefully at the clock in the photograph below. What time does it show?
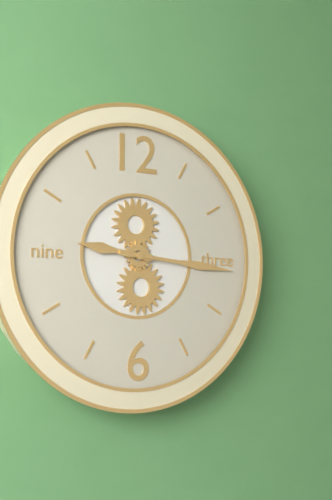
9:16
